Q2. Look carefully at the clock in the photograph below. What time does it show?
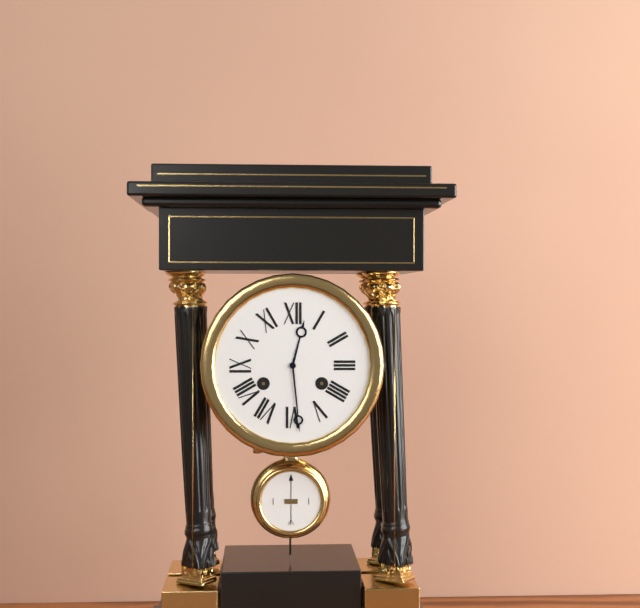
12:29
